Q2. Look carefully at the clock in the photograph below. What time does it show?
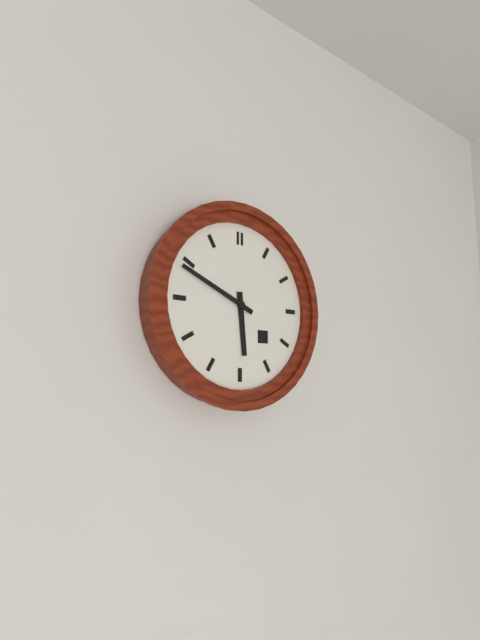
5:49
